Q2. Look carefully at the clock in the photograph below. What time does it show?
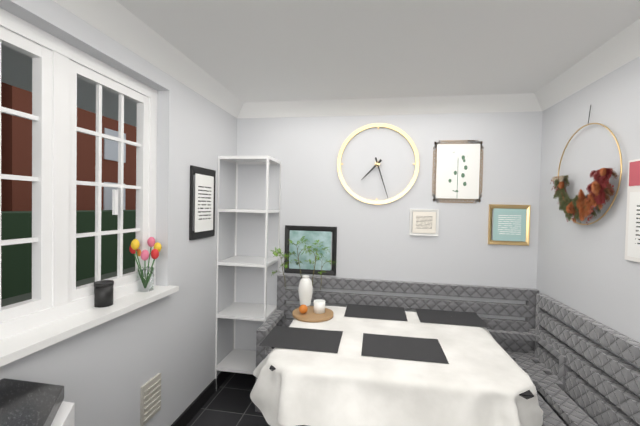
7:27
